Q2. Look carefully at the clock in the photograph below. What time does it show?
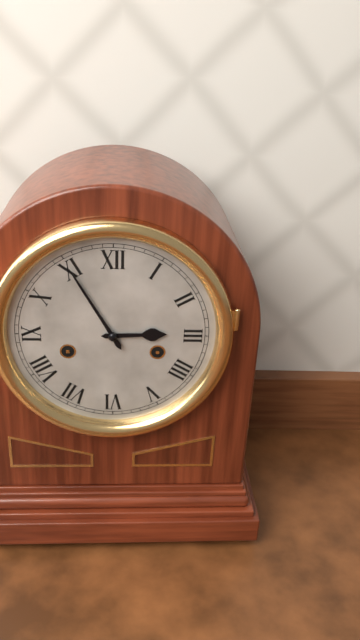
2:55
